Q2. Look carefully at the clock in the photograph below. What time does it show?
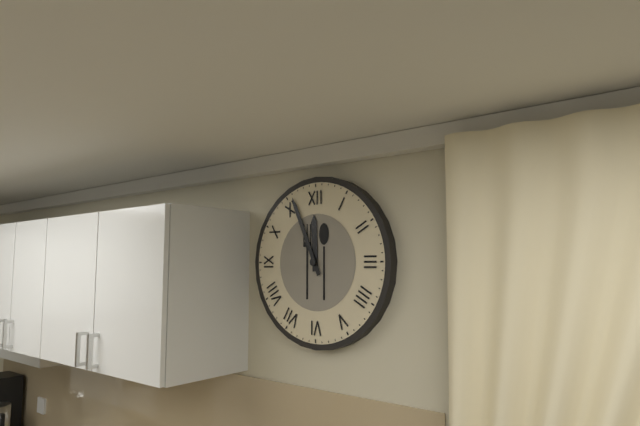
11:56
